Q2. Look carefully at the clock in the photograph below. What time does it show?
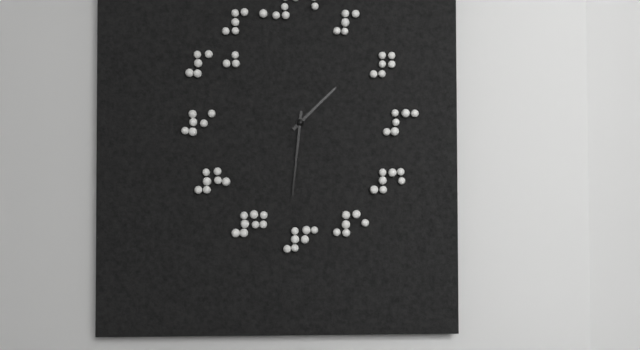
1:31
